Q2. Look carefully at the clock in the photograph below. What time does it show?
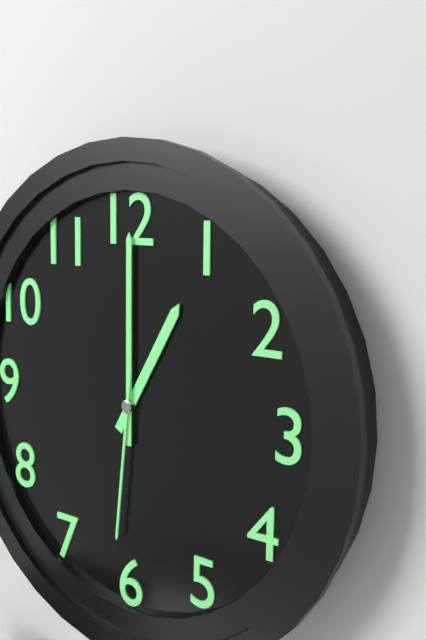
1:00:31
